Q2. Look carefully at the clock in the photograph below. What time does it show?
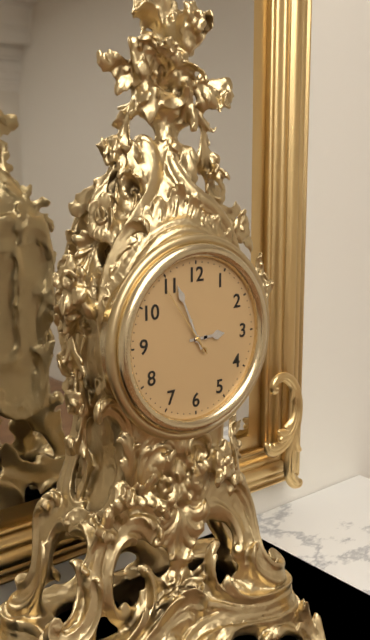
2:56:54
